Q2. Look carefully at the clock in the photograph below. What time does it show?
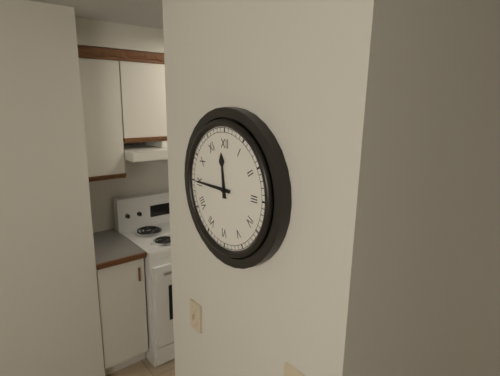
11:45
